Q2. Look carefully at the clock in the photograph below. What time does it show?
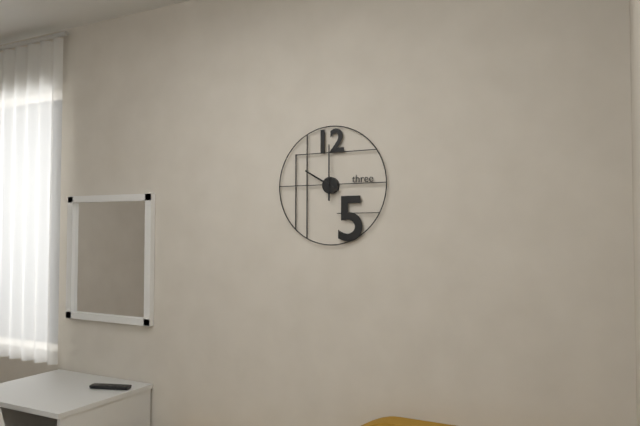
10:00
